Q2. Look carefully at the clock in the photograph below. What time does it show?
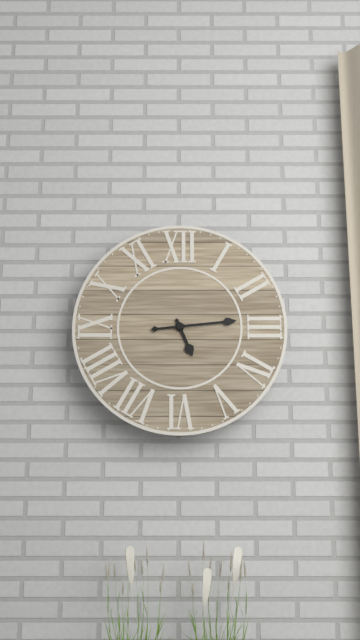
5:14
